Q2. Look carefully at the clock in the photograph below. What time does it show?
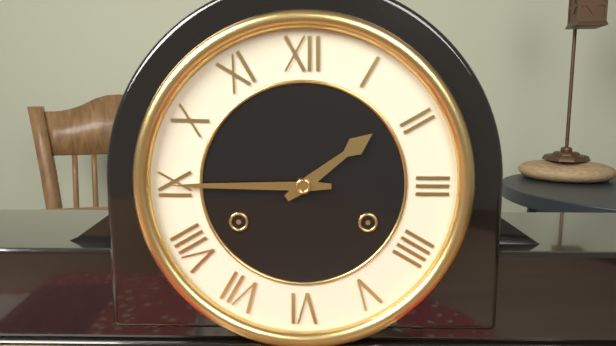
1:45
